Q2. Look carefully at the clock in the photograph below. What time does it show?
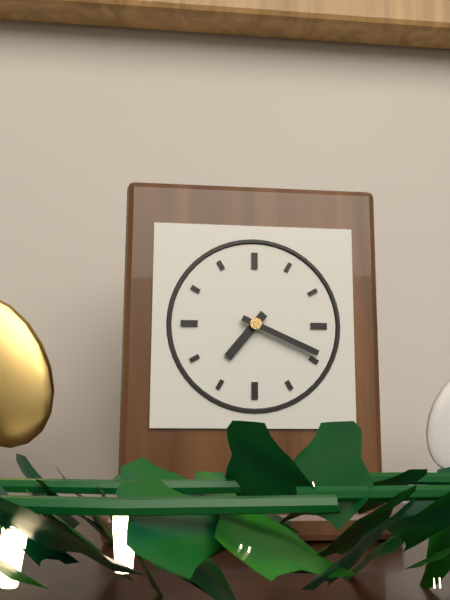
7:19
